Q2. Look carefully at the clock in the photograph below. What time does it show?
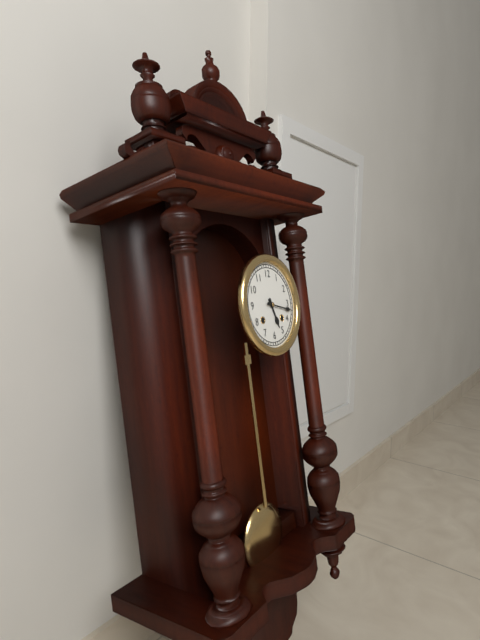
5:17
